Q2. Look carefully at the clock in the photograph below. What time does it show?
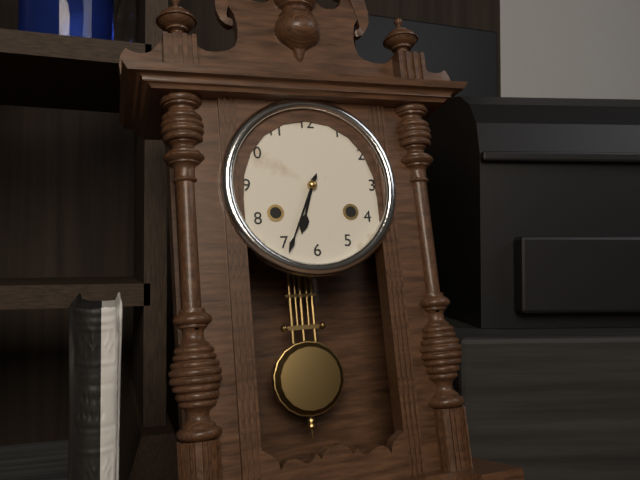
6:34
